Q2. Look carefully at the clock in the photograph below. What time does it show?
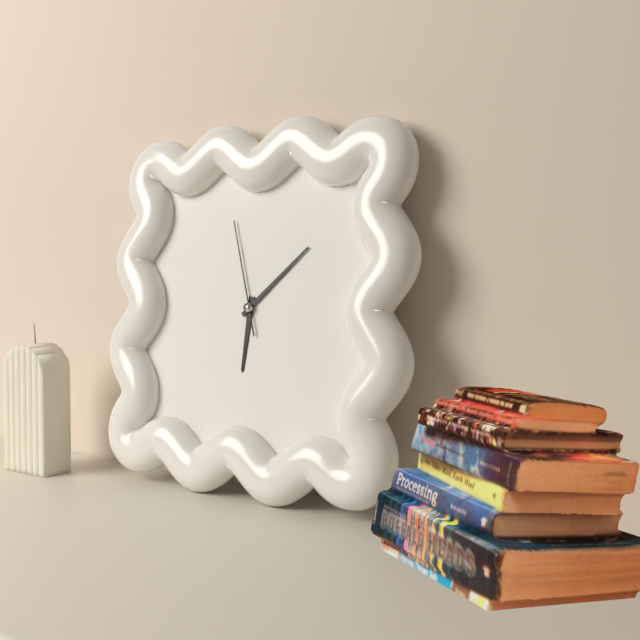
6:08:57
